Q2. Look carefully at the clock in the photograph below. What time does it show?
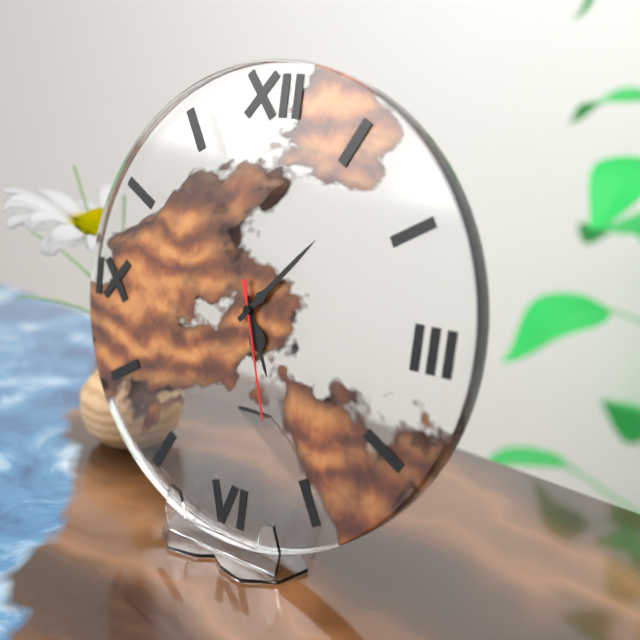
5:07:27
